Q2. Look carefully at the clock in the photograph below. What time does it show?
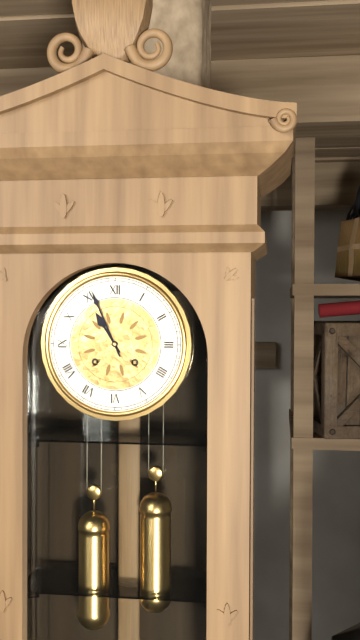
10:56
